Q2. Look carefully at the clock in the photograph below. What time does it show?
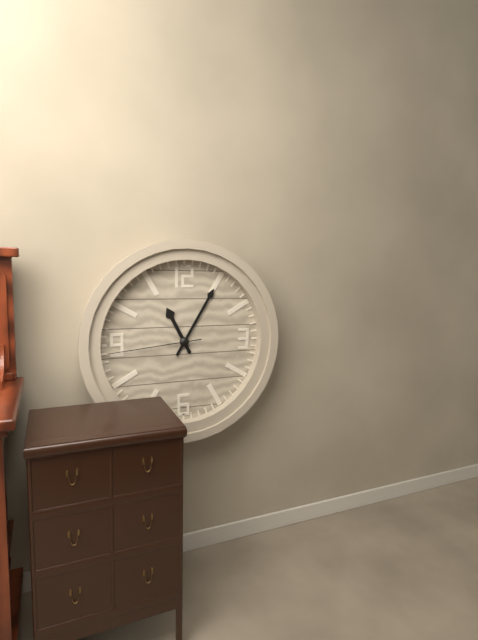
11:05:44
